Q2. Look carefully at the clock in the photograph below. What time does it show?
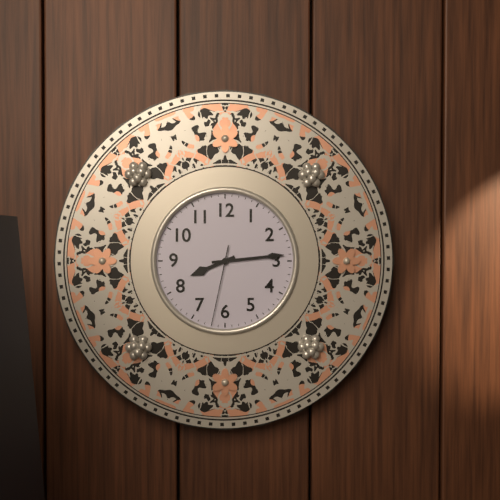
8:14:32
